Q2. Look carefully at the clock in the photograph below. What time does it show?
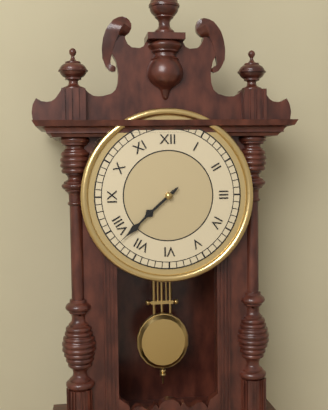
7:38
